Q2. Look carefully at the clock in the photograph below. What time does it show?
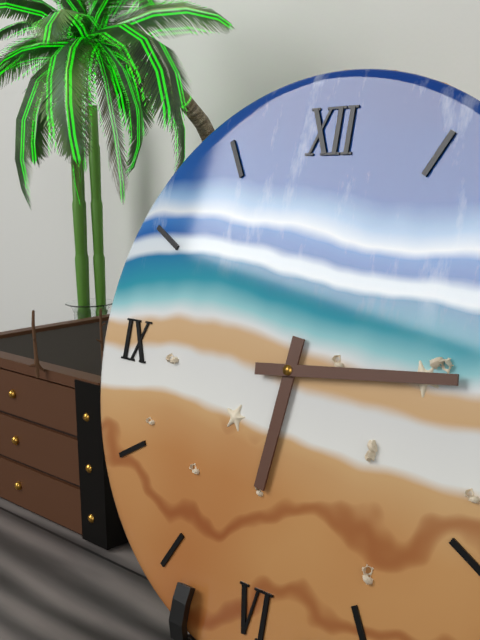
6:14
